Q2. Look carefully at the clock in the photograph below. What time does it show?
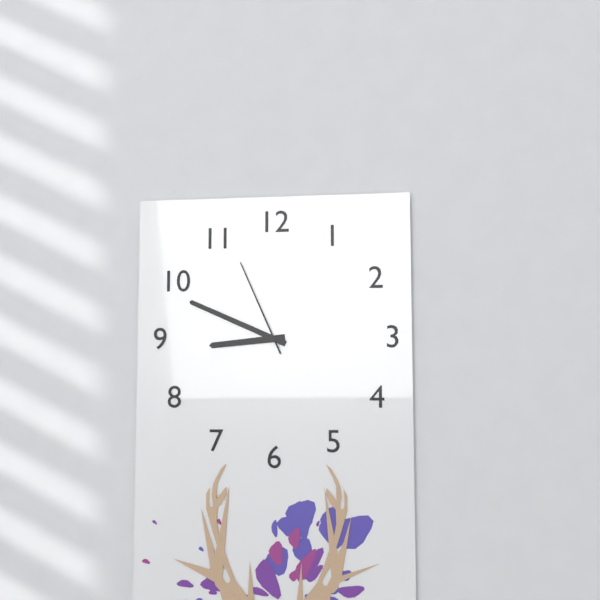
8:49:56
